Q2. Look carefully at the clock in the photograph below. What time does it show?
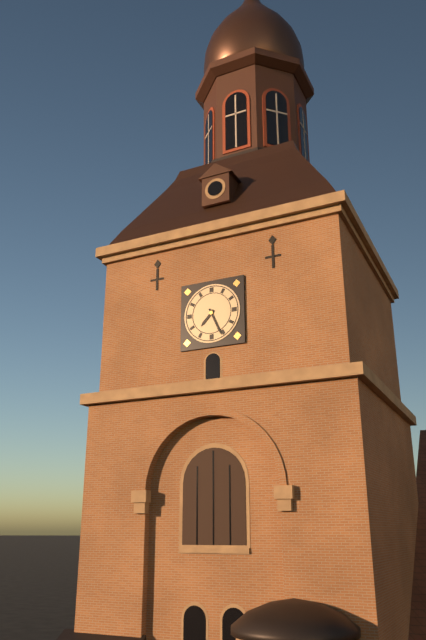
7:26
